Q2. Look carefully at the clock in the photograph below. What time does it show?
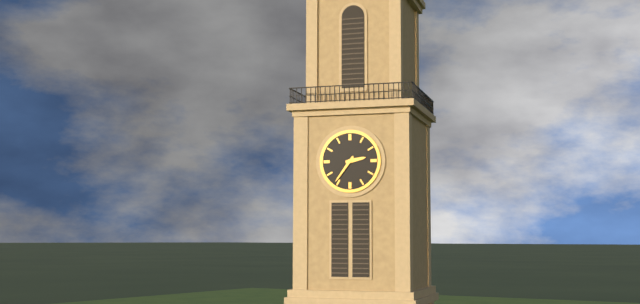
2:36
